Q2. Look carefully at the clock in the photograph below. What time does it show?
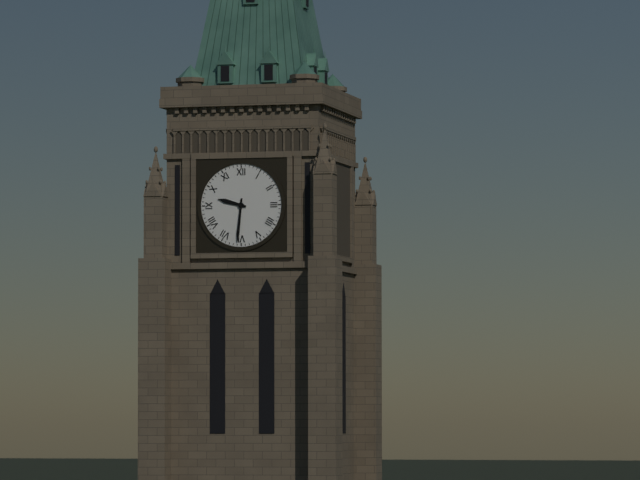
9:31
